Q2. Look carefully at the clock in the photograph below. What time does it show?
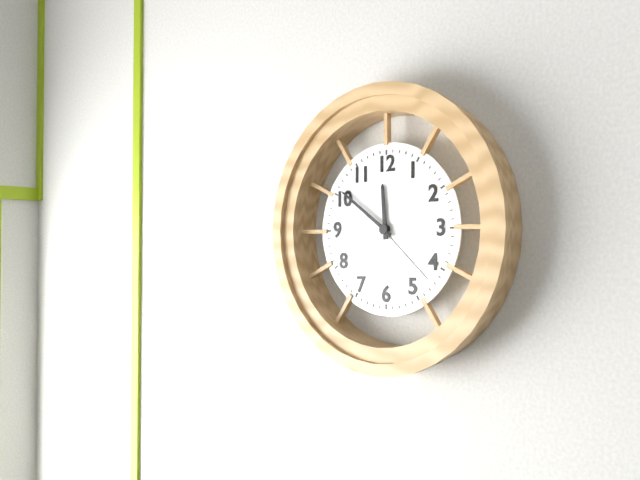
11:51:22
